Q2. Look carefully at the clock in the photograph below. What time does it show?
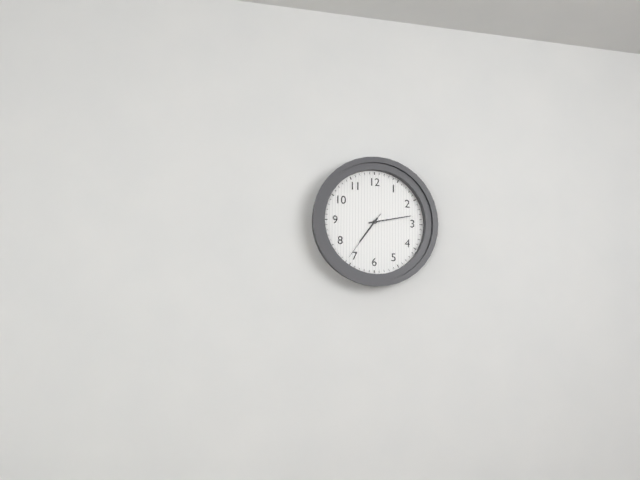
7:13:36
